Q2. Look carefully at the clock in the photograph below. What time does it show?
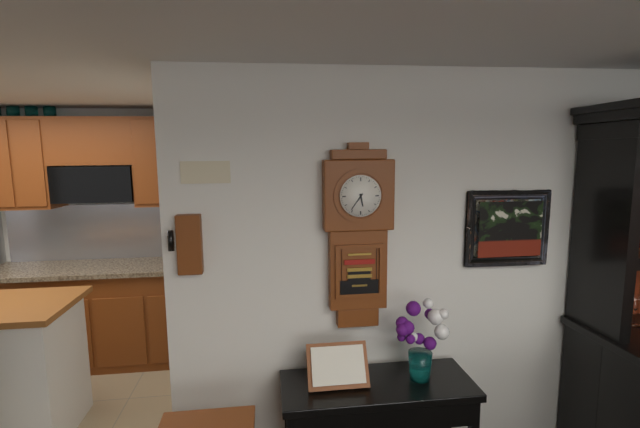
5:36
